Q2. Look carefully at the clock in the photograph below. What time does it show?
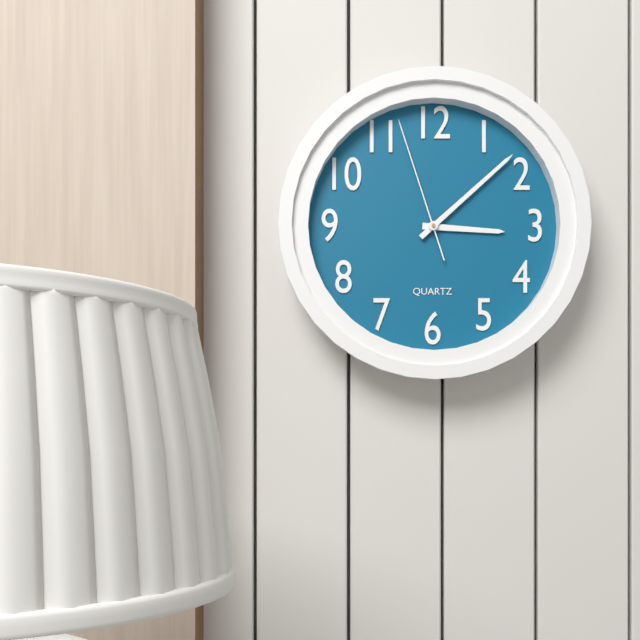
3:08:57
